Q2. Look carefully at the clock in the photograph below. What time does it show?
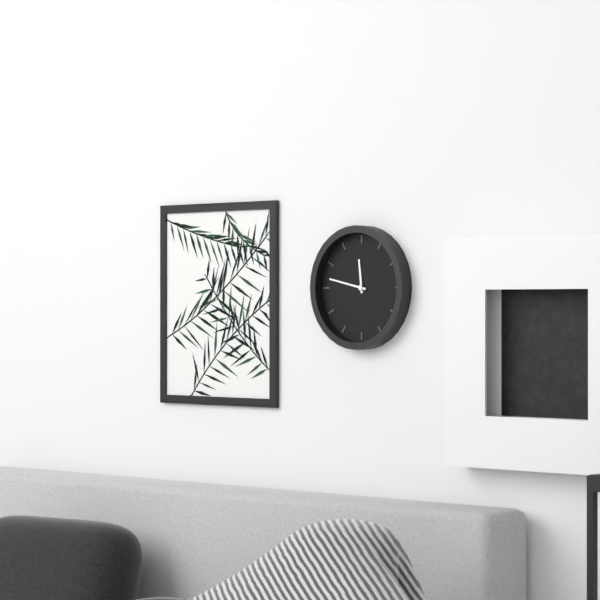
11:47
